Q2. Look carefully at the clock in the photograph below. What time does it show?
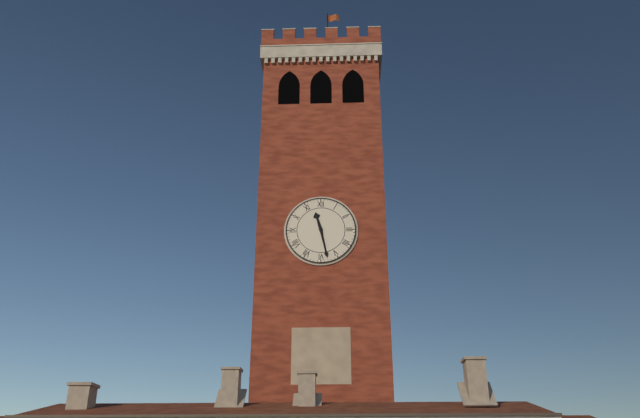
11:28
